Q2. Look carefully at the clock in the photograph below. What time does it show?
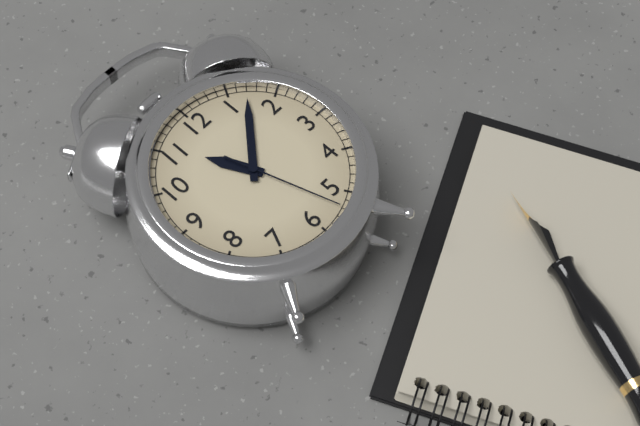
11:07:27
